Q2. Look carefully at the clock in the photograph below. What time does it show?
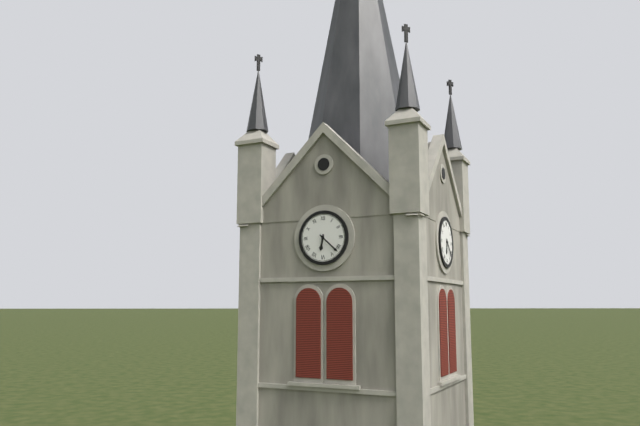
6:22
